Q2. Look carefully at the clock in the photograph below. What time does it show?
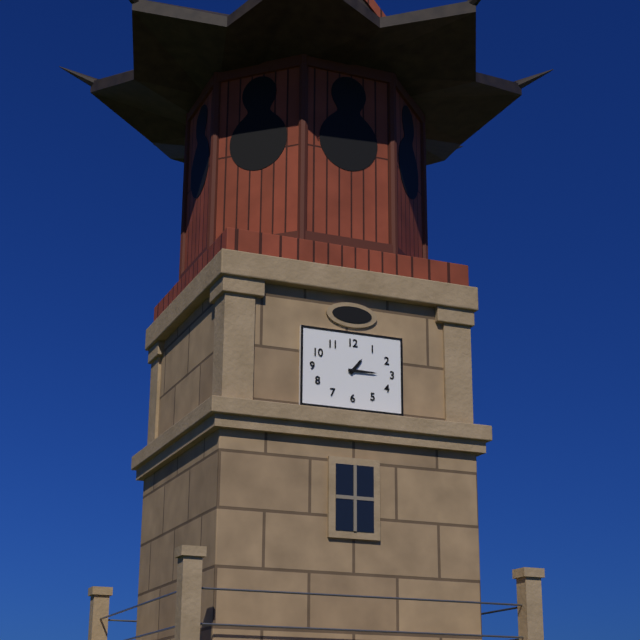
1:15
